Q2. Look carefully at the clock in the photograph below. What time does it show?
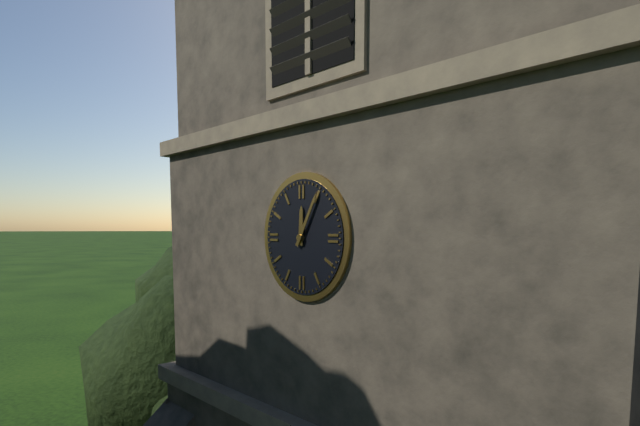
12:05
